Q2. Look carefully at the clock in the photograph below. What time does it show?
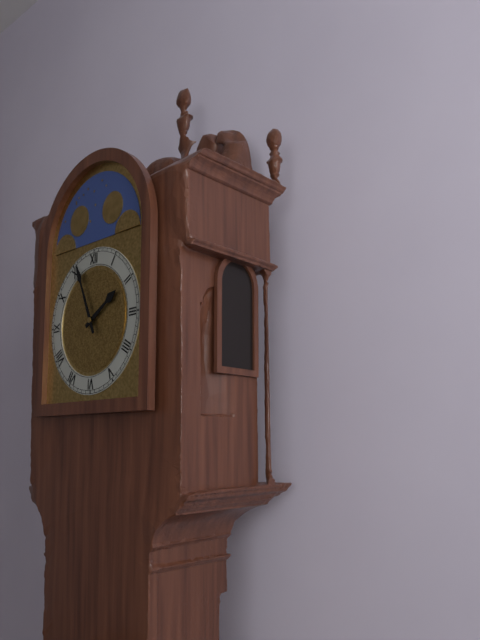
1:56
